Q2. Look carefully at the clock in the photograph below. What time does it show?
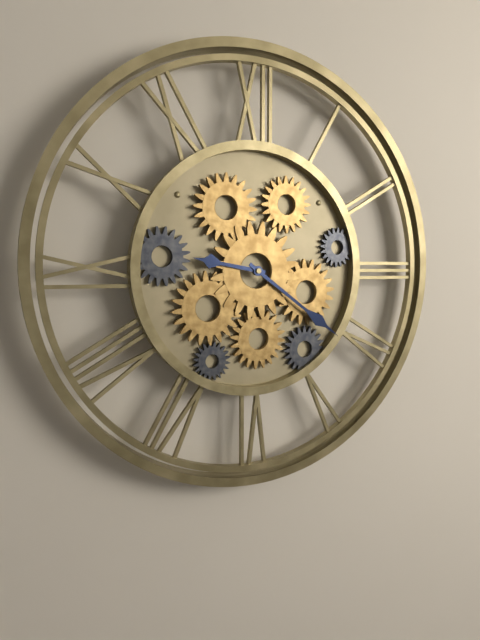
9:21
